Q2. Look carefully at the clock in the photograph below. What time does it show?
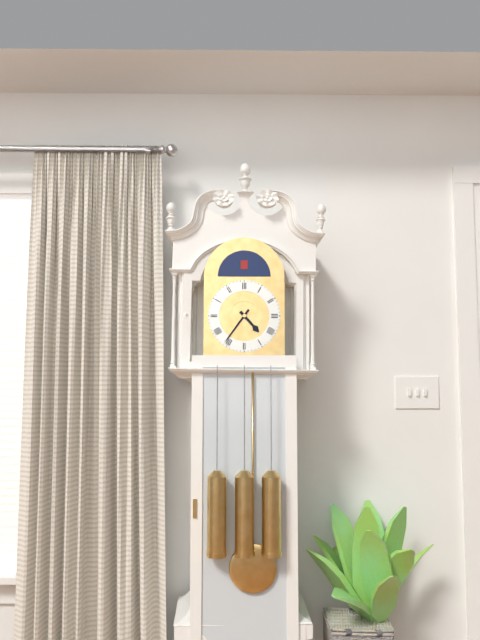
4:36
